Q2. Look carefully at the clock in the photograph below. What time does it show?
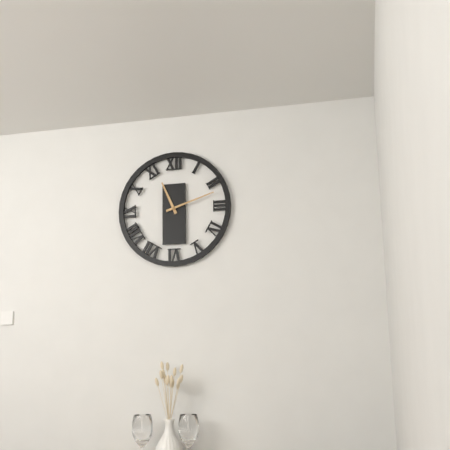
11:12
